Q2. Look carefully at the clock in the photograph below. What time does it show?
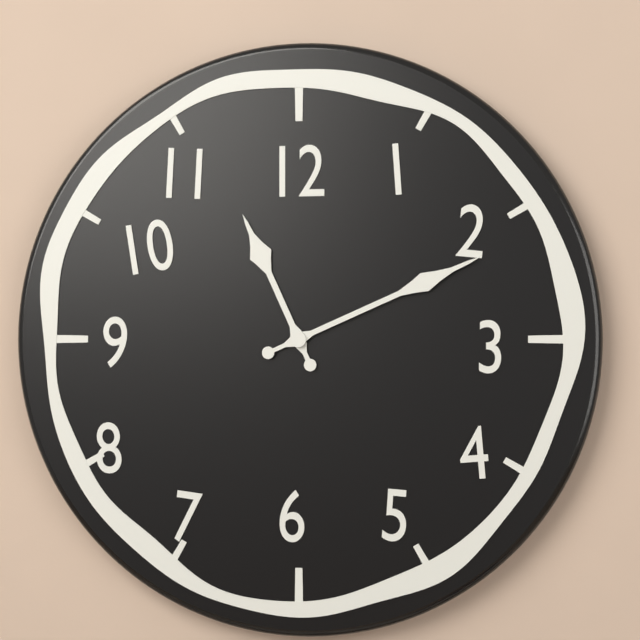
11:11
